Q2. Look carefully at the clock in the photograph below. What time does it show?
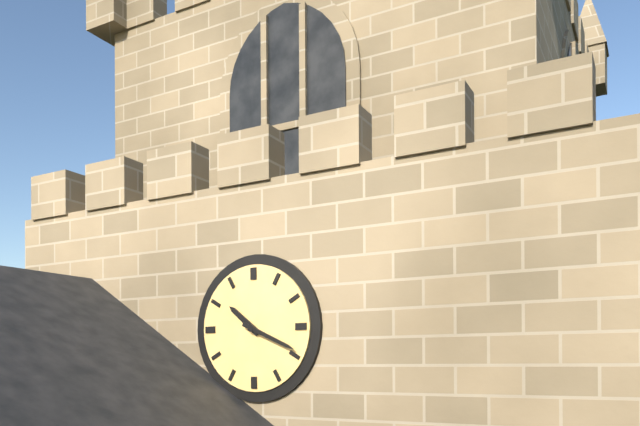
10:19
